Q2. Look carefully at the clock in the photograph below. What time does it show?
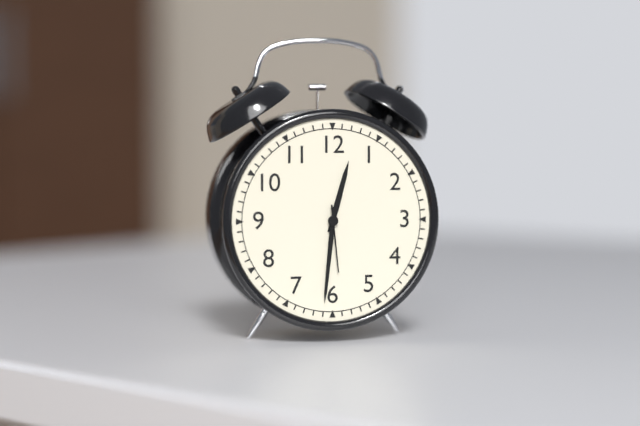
12:31:29
